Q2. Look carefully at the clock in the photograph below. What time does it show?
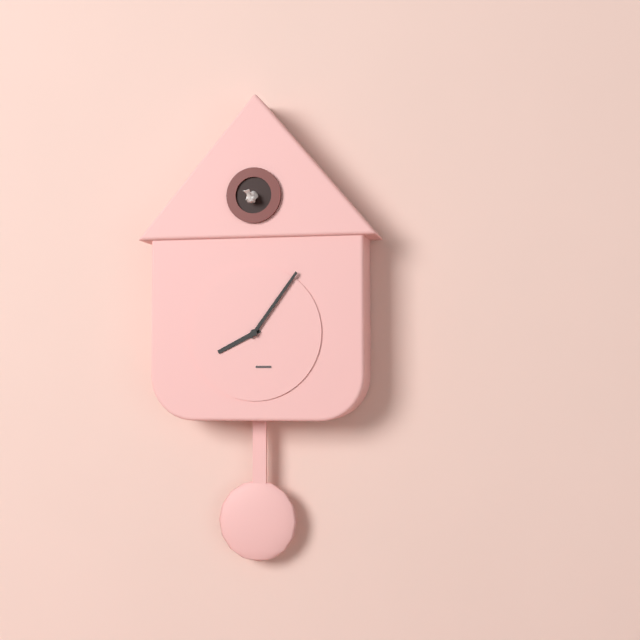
8:06
